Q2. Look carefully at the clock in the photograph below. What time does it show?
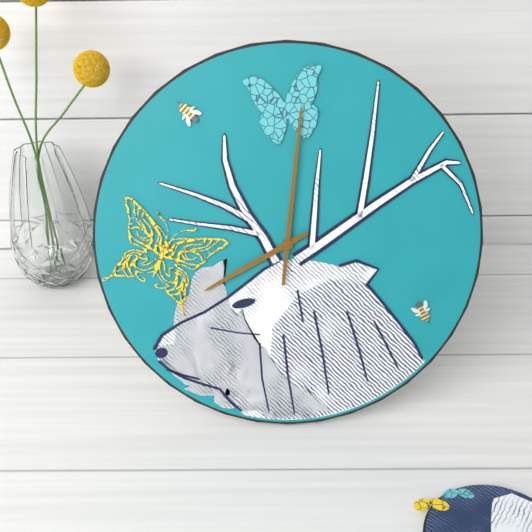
8:01
